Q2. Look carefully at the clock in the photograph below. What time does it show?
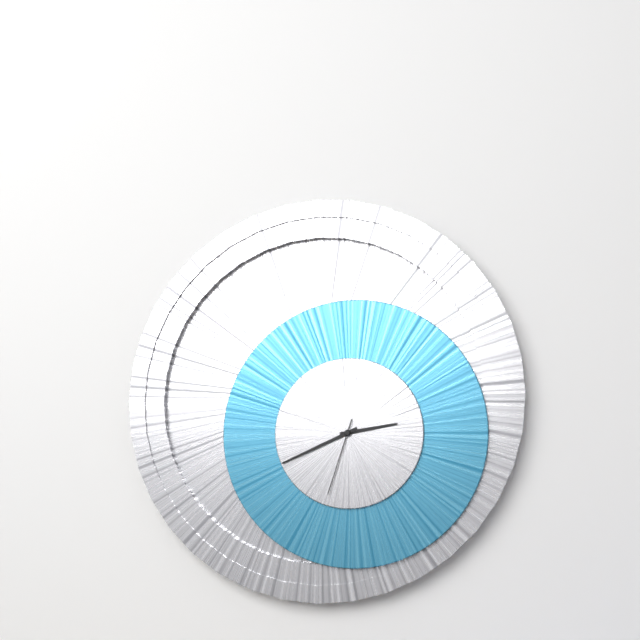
2:41:33
